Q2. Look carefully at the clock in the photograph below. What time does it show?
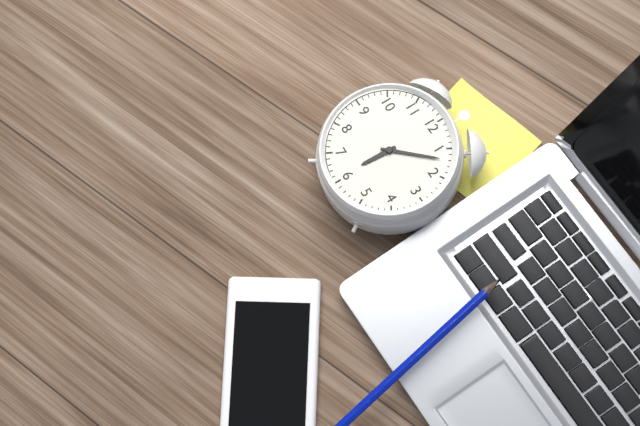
6:07
